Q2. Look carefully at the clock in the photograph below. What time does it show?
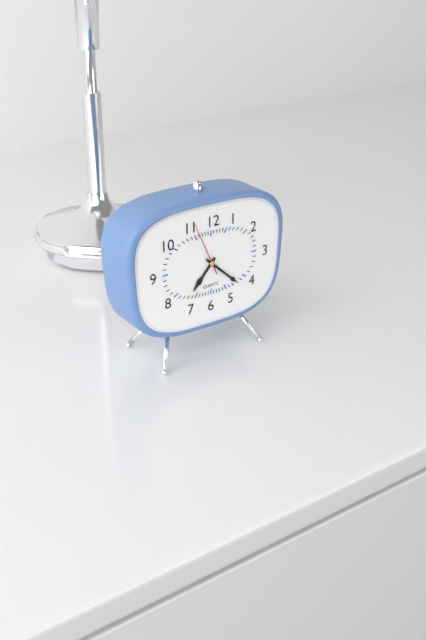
7:22:56
